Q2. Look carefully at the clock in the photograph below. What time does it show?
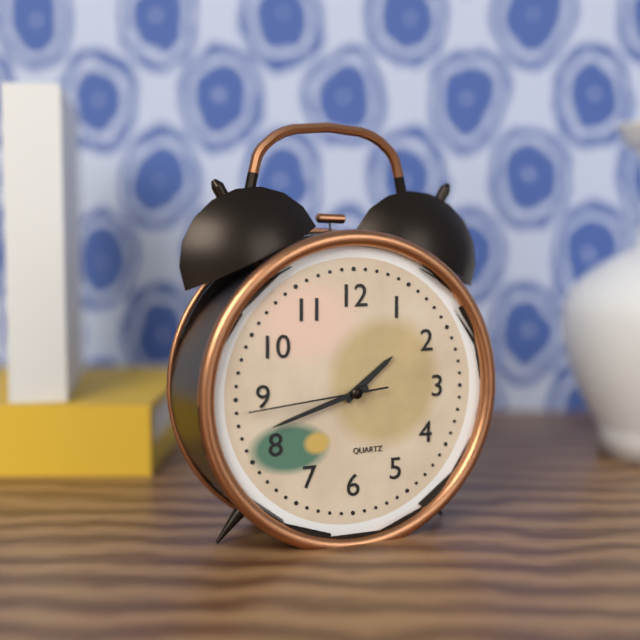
1:42:44
